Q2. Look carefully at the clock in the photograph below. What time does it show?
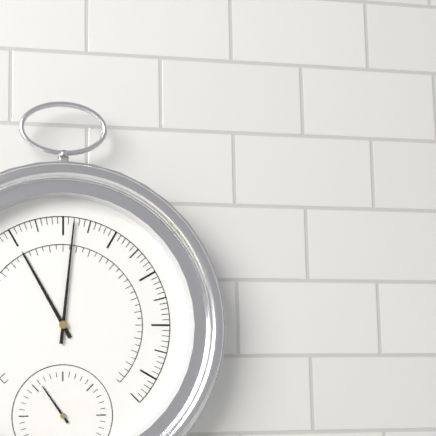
11:01
